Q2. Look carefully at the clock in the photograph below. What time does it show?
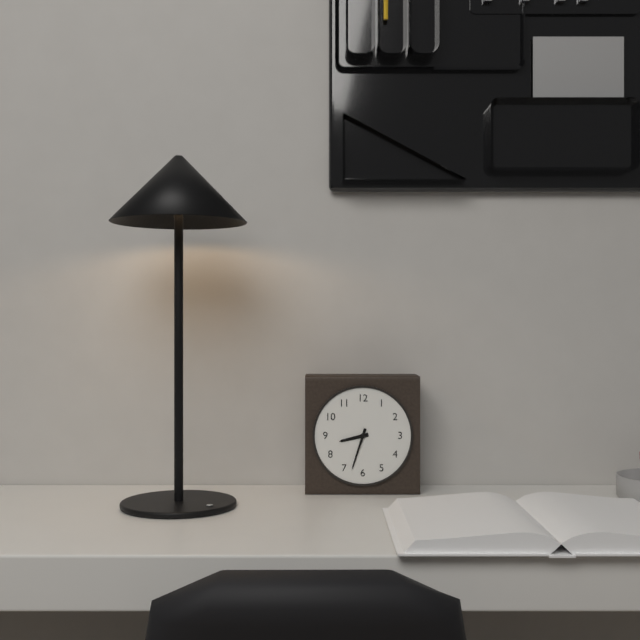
8:33
